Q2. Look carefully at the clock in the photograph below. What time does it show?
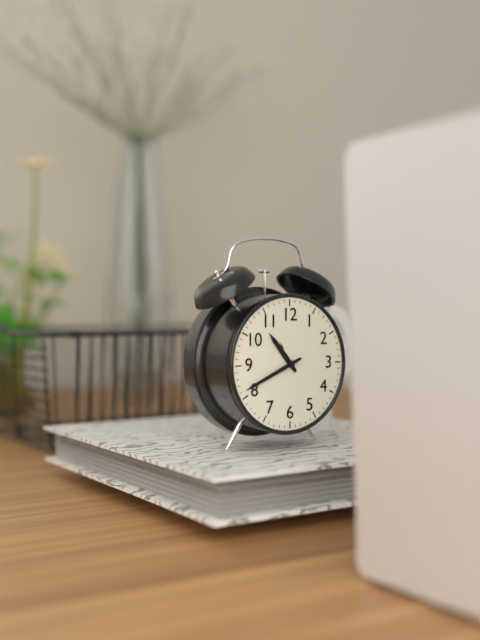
10:41
